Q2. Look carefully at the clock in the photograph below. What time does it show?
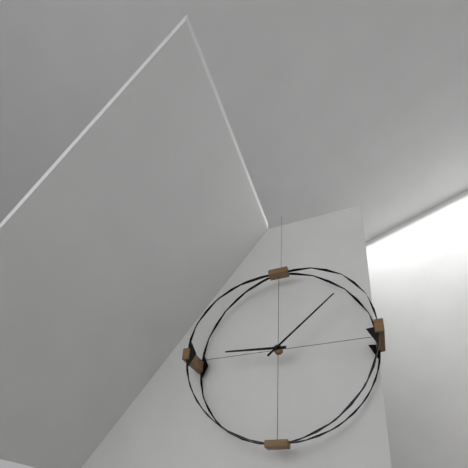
9:08
